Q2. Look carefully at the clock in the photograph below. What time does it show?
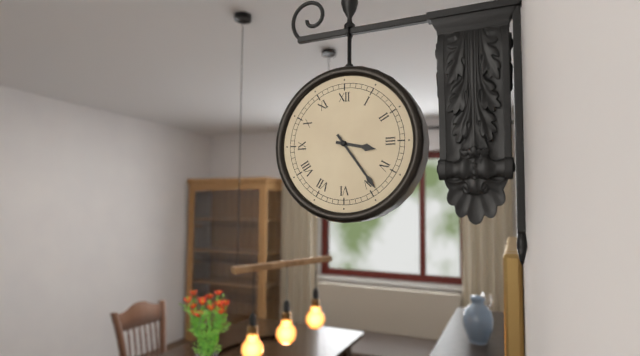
3:24
